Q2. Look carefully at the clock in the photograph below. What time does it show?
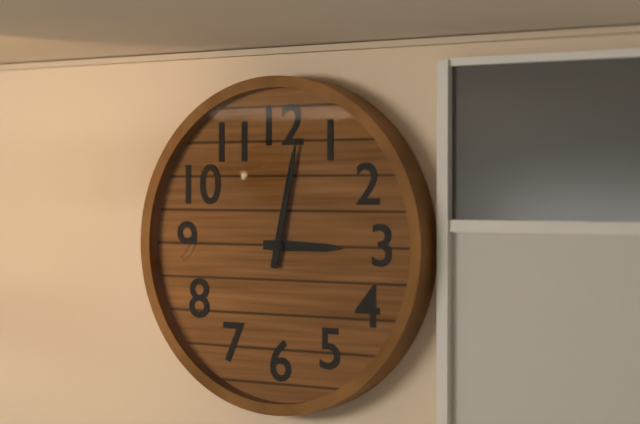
3:02
